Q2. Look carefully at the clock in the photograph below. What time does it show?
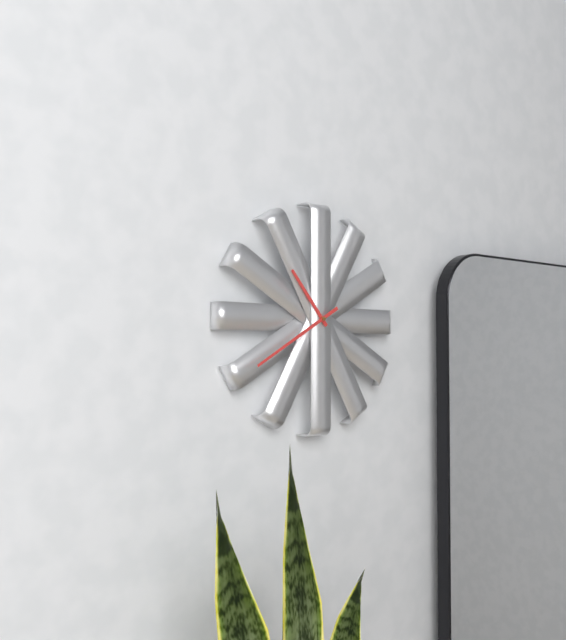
10:40
